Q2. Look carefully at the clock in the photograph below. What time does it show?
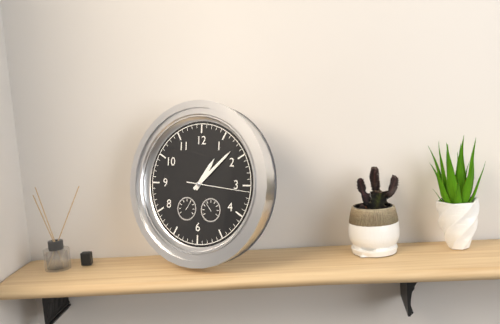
1:08:16
